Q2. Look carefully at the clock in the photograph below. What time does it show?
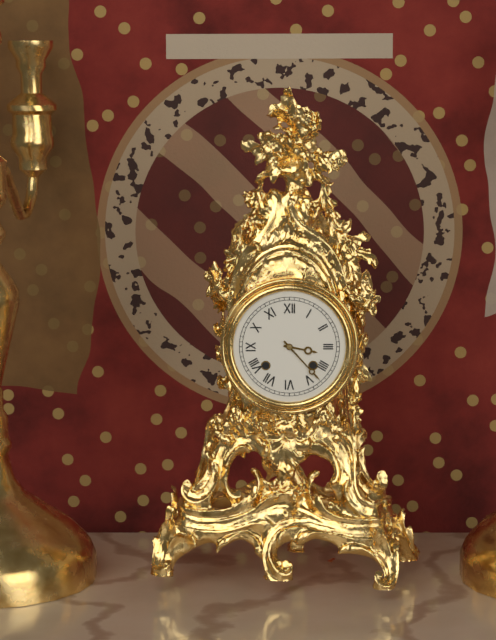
3:23
